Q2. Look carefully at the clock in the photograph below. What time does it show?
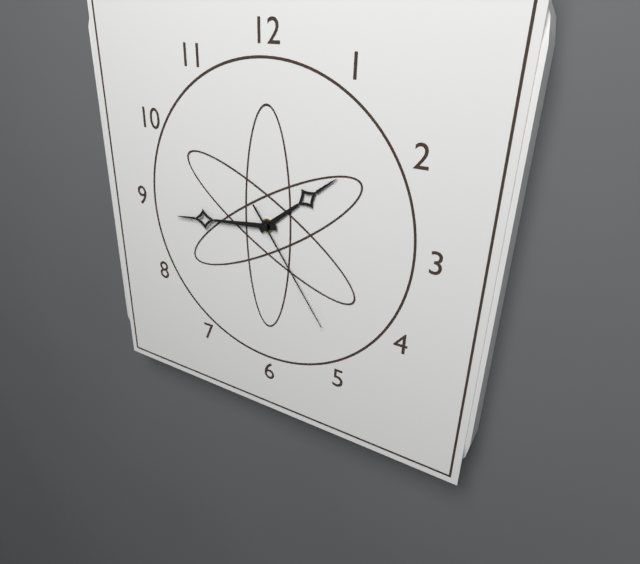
1:44:24
